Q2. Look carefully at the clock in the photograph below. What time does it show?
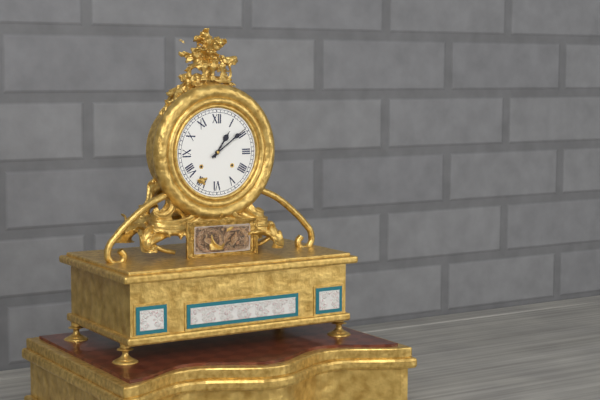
1:09
